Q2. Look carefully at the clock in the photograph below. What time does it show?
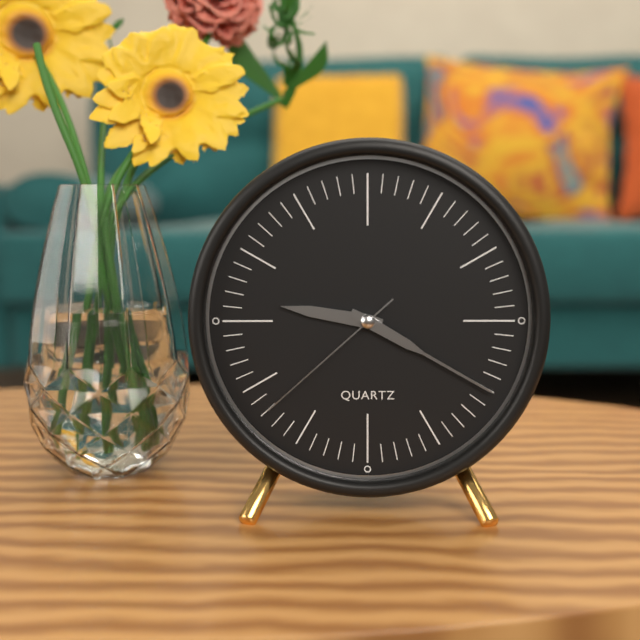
9:20:38
